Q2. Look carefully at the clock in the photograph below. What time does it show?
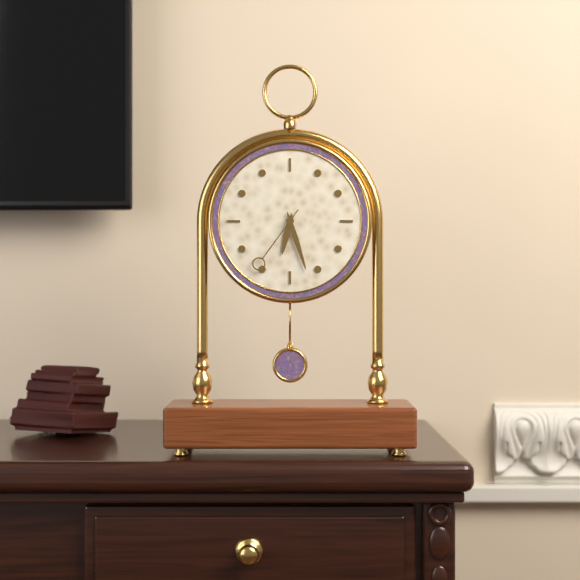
6:27:36
